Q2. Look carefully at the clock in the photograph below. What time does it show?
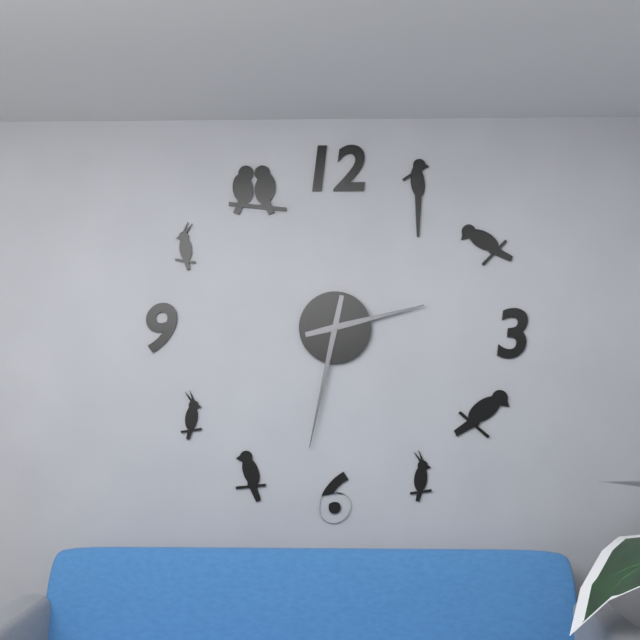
2:32
